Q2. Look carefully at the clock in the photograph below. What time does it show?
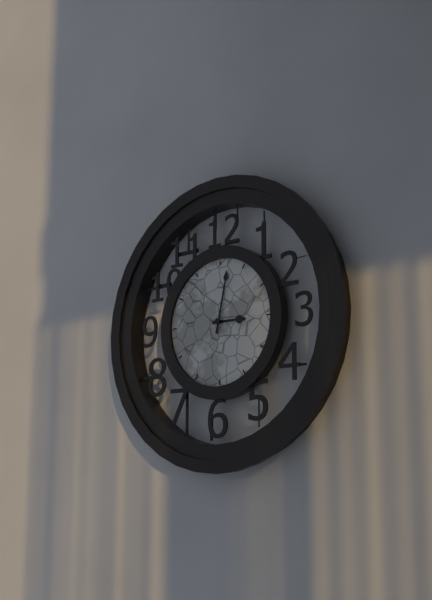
3:02
